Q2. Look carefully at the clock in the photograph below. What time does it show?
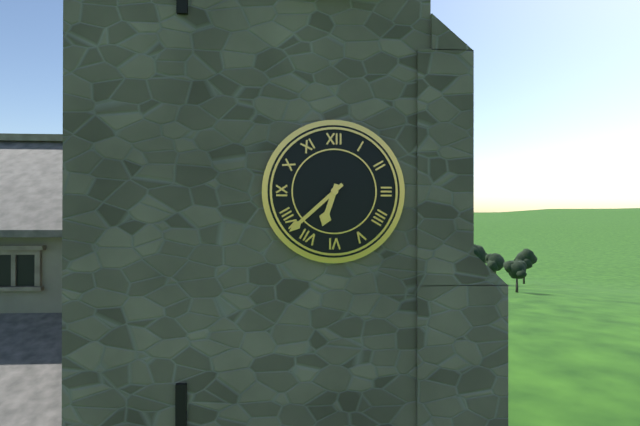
6:38
